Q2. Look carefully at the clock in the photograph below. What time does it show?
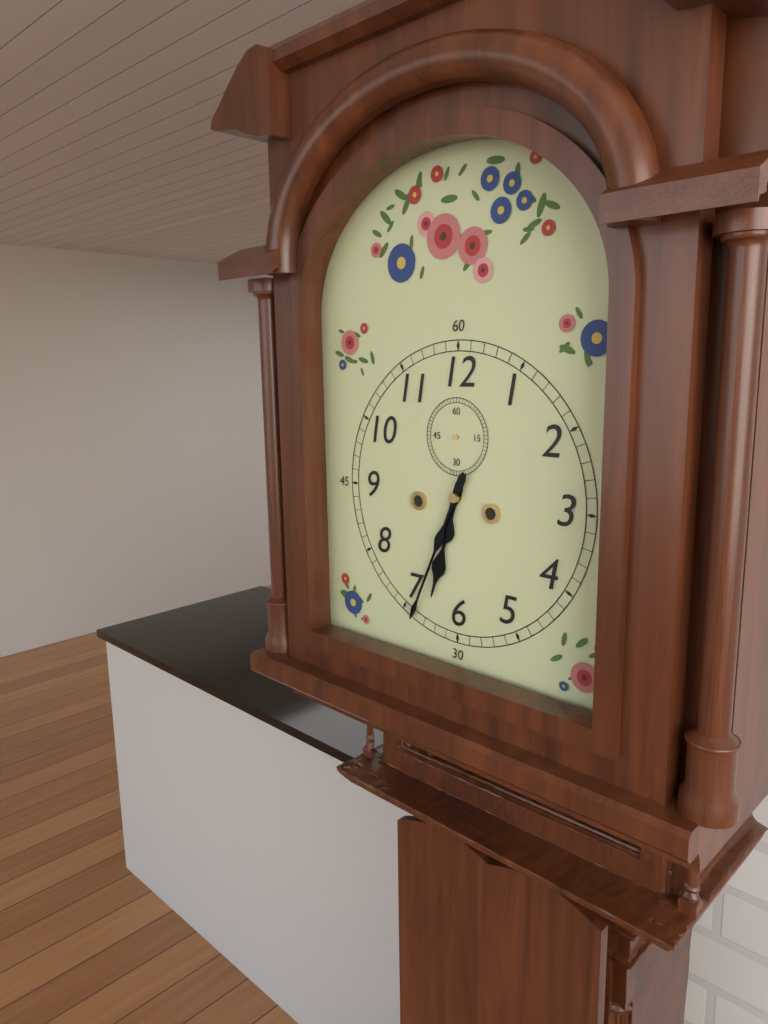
6:34
